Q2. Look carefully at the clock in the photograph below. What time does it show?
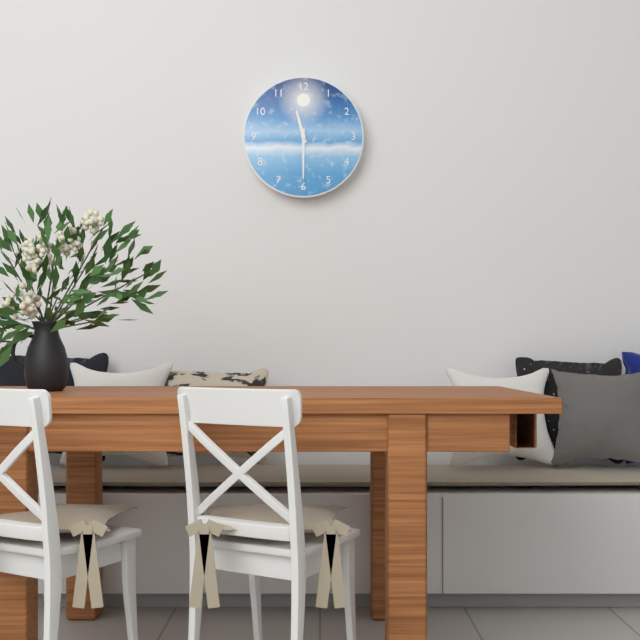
11:30
